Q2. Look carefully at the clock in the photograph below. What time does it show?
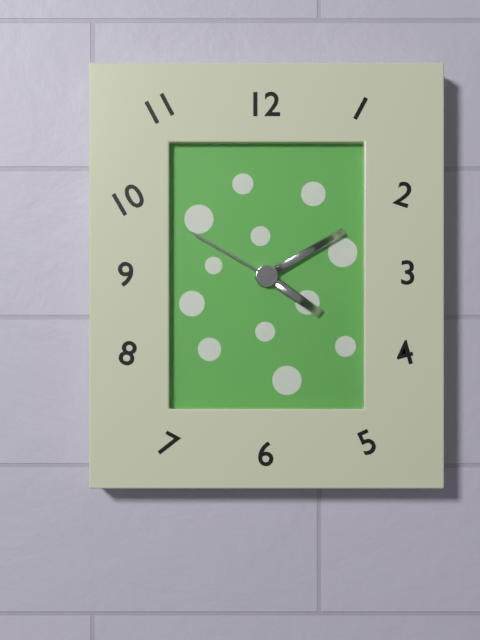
4:10:50
